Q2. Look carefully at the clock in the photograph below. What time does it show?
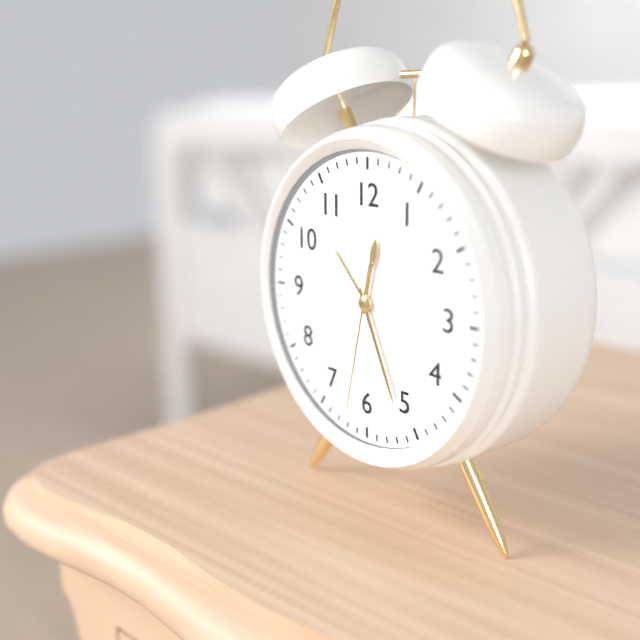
12:26:32
